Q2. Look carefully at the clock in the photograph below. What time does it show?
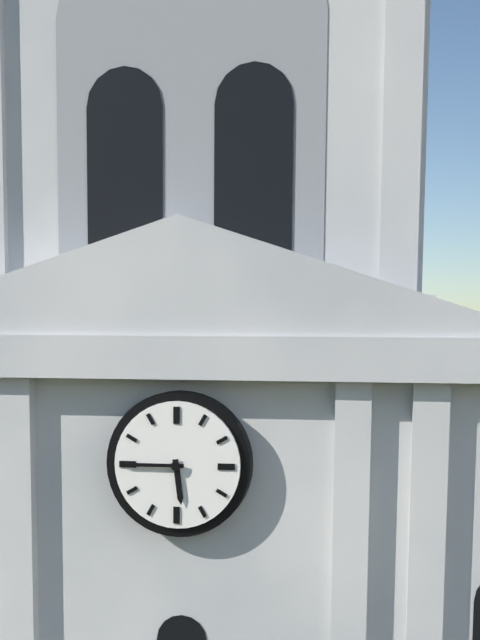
5:45
